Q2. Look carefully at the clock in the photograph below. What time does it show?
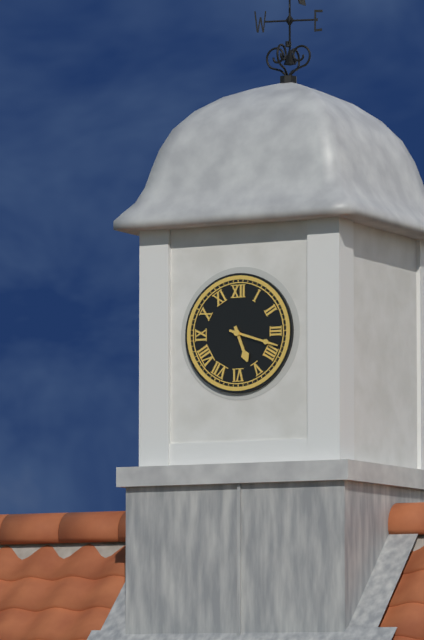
5:18
